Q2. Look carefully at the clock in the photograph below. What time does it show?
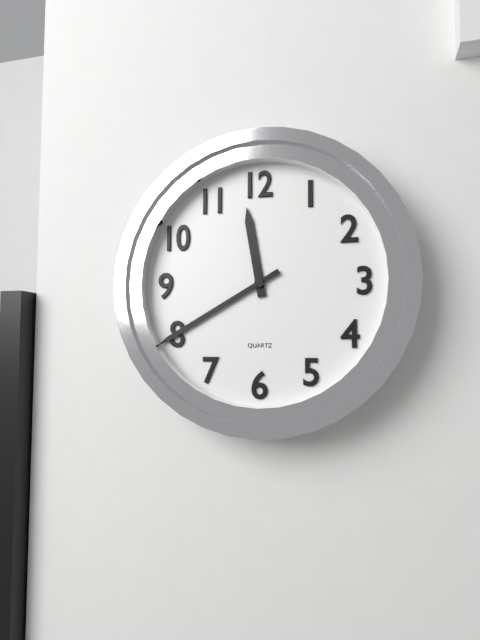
11:40
